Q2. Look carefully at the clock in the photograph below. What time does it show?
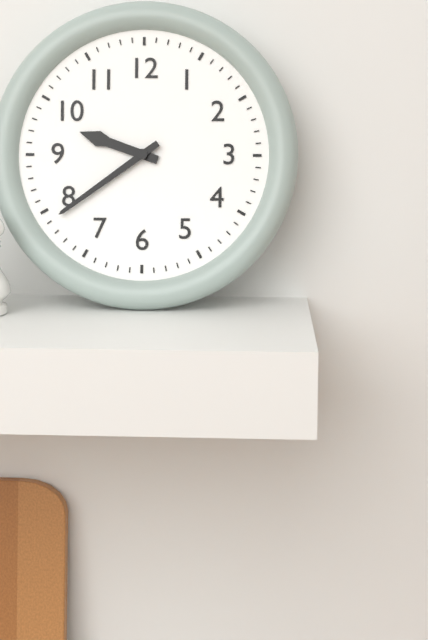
9:39
